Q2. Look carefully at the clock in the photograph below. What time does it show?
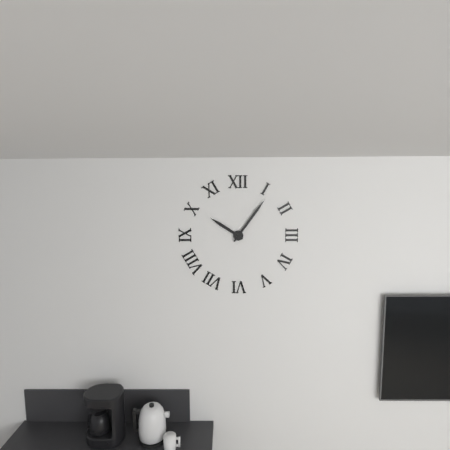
10:06
